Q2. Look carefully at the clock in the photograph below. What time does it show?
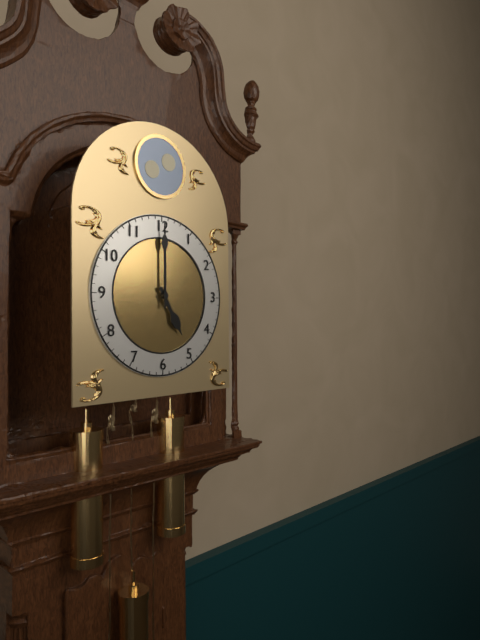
5:00
